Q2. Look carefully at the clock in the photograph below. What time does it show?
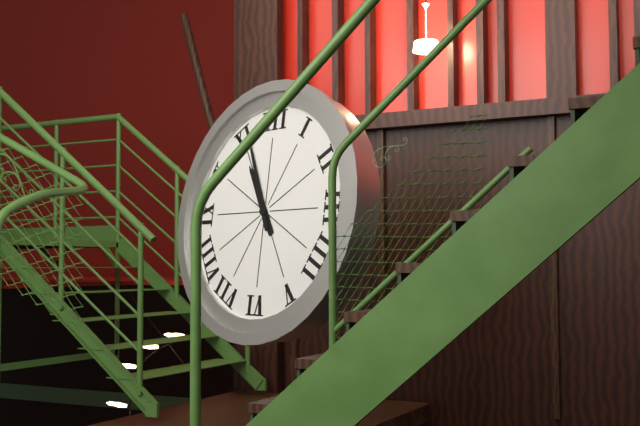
10:56
